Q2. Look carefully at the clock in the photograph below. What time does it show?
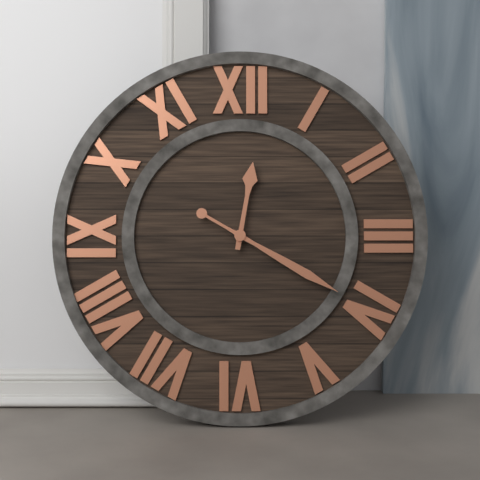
12:20
